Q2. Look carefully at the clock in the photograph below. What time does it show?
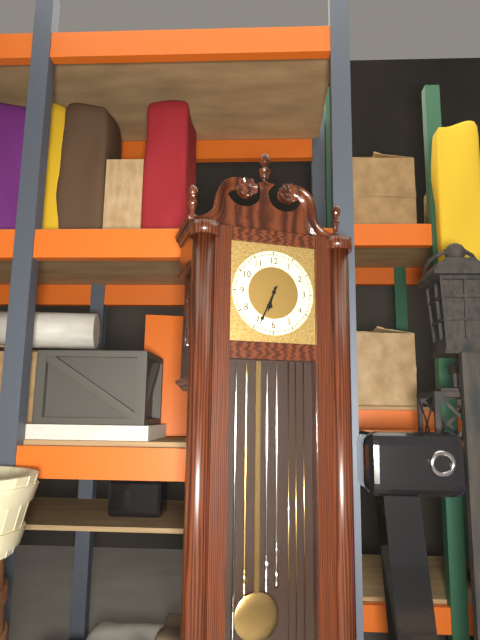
6:34
